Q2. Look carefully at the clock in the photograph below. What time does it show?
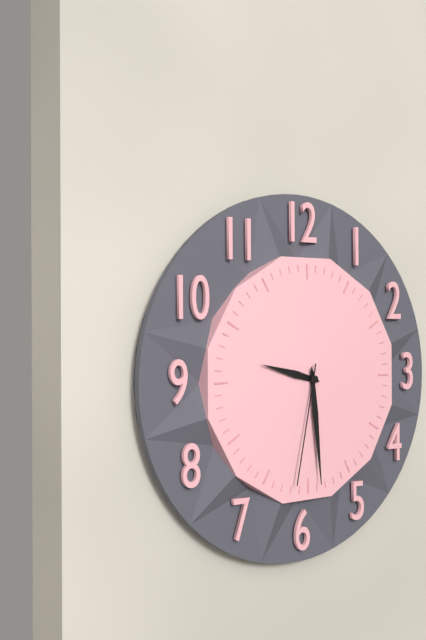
9:29:32
